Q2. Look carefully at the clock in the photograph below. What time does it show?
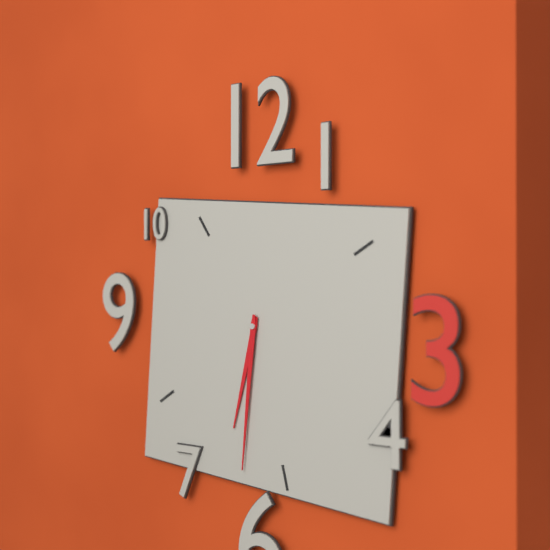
6:31
